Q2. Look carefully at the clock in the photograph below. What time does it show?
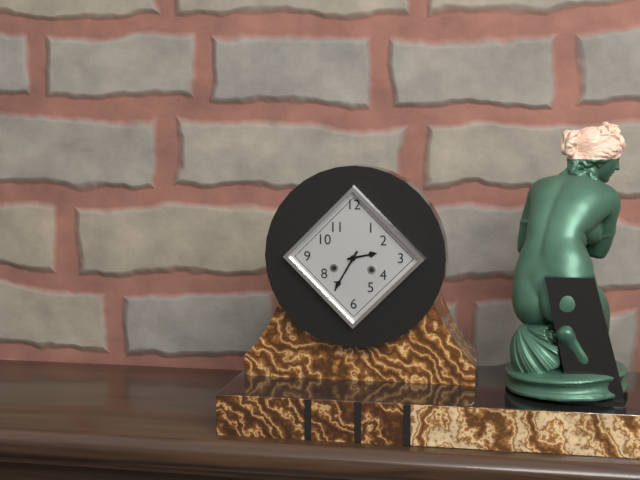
2:35
